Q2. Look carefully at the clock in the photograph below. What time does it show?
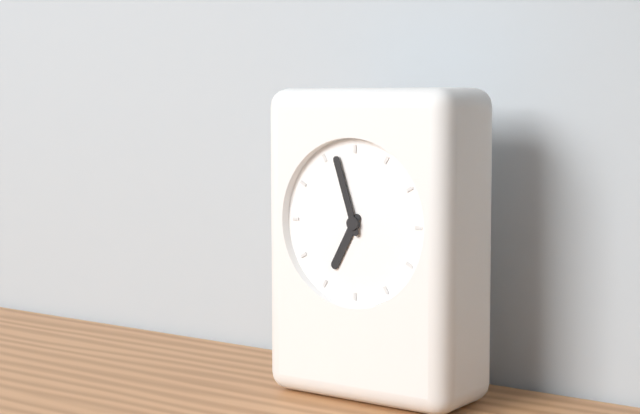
6:57
